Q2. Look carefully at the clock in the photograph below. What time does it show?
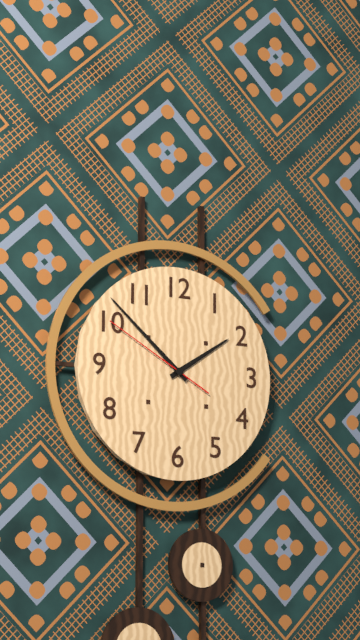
1:52:50
